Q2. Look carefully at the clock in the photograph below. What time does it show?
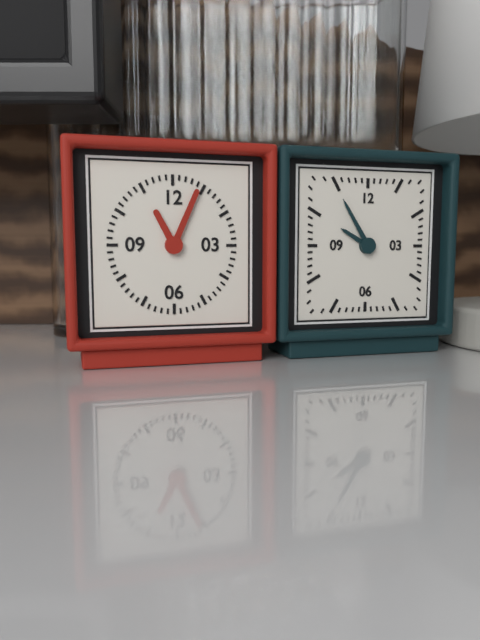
11:04
